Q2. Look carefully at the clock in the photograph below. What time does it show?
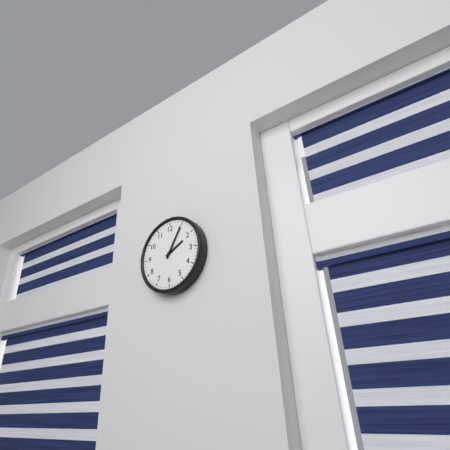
2:05
